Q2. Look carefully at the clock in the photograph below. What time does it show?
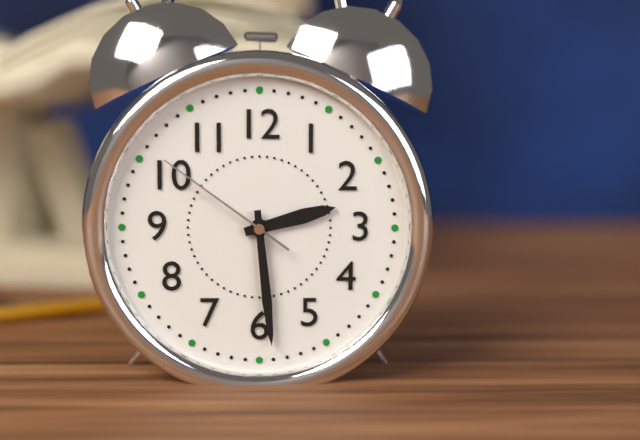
2:29:51
